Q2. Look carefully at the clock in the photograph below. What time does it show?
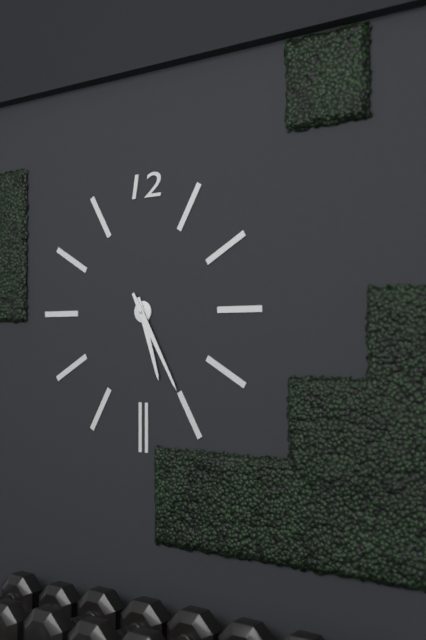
5:25
